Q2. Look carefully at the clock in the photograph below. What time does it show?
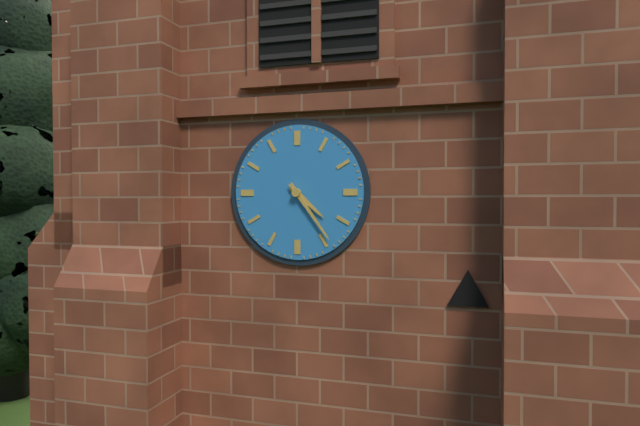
4:24
